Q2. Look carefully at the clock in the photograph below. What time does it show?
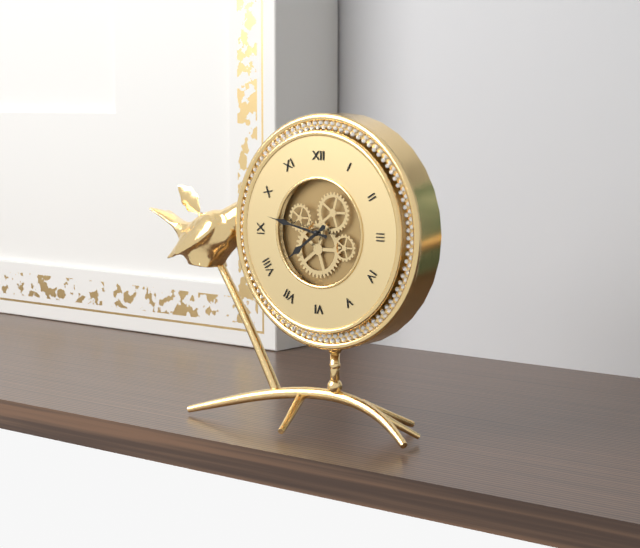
7:47
